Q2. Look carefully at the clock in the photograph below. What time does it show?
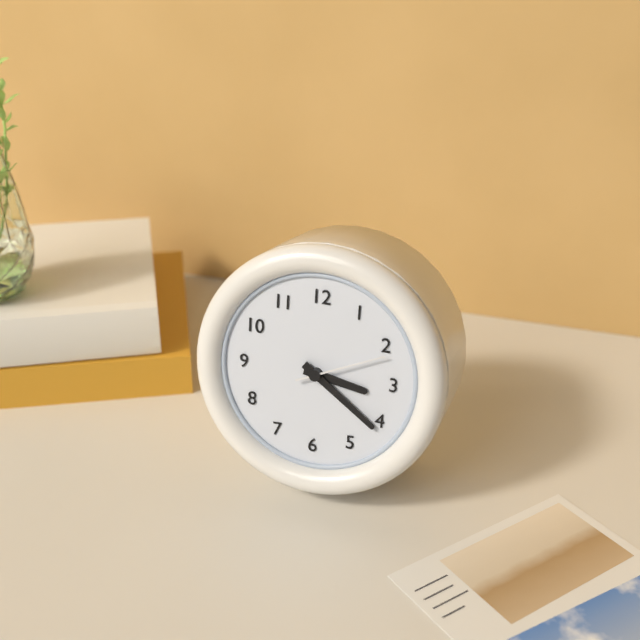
3:21:11
